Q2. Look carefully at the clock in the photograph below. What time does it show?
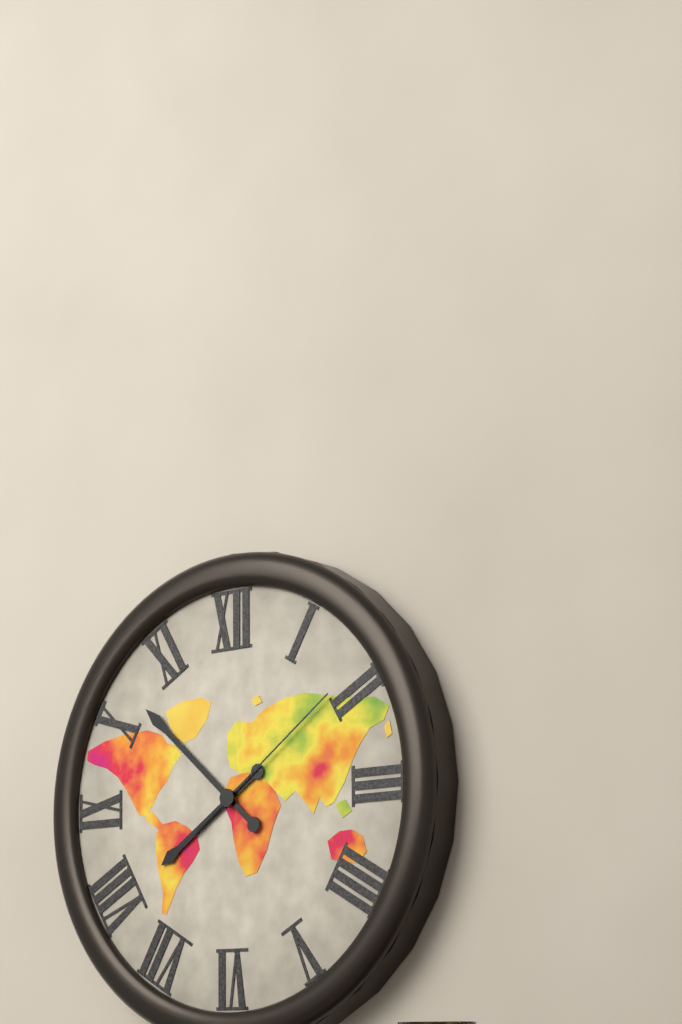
7:52:09
